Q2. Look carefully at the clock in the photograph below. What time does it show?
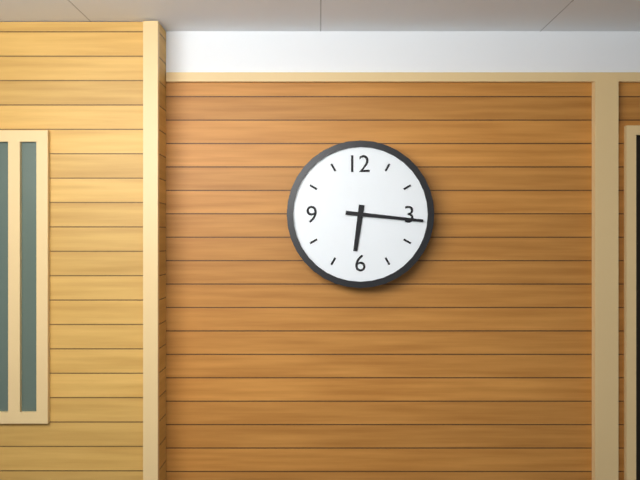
6:16
